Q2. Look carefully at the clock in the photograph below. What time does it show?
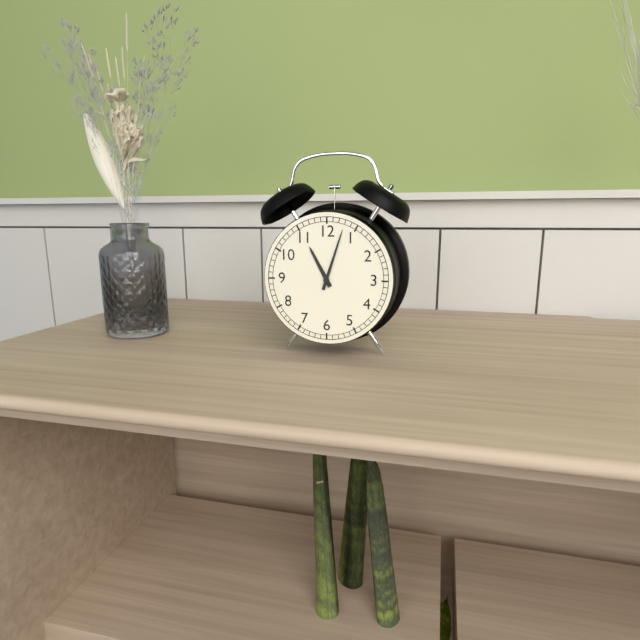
11:03
